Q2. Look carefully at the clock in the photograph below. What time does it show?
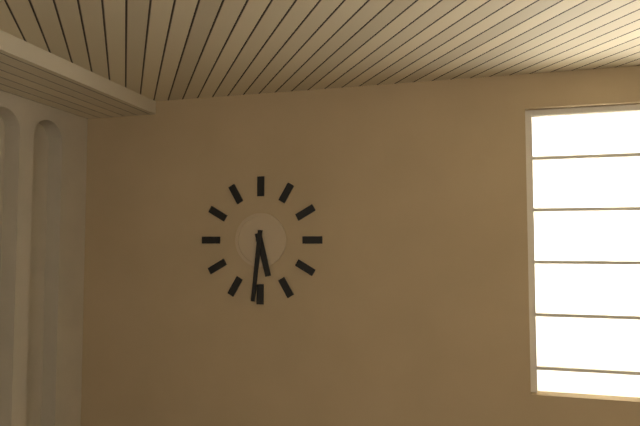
5:31
